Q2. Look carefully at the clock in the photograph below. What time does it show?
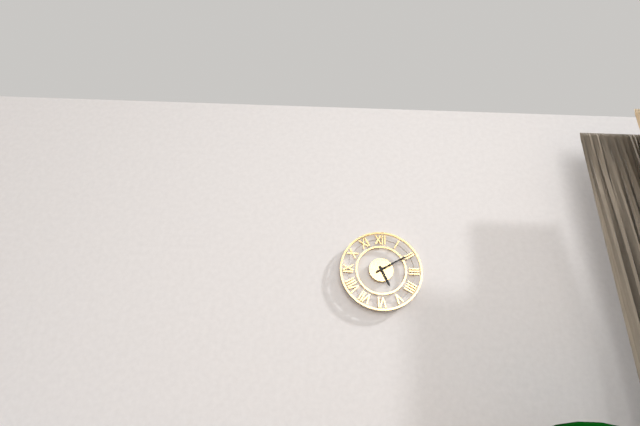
5:10
